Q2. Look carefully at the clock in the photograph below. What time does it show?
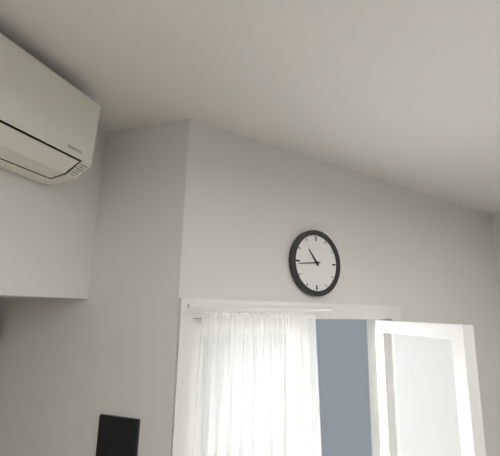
10:44
